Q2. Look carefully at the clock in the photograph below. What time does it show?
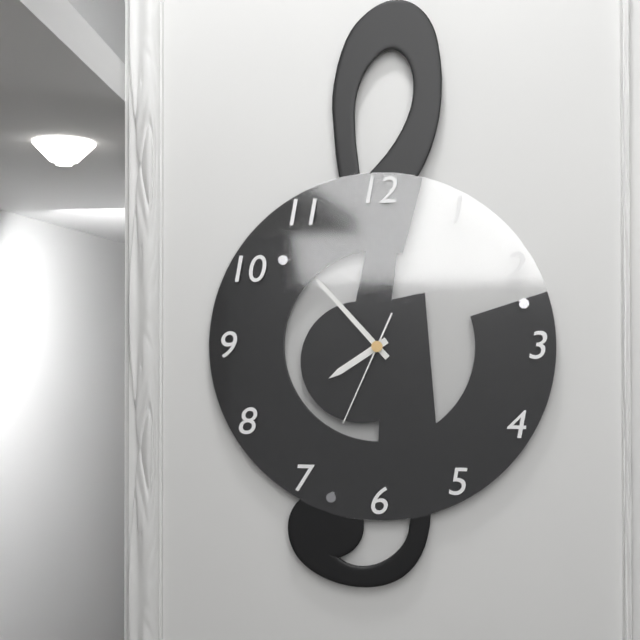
7:53:34
